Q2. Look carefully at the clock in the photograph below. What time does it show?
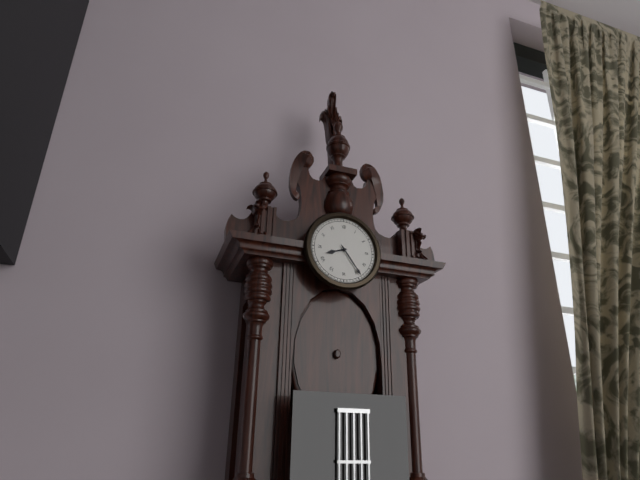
8:24
